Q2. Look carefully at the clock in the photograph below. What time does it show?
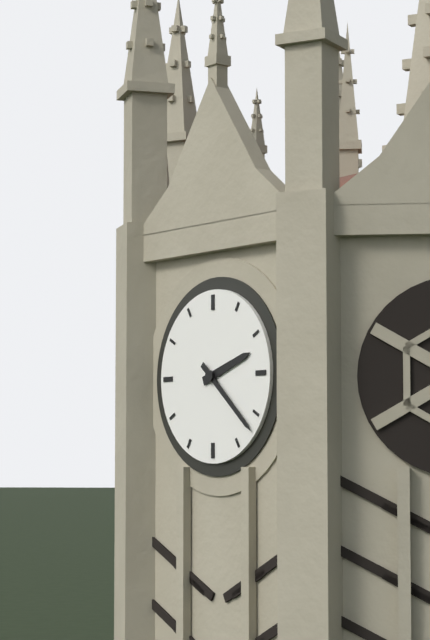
2:22
